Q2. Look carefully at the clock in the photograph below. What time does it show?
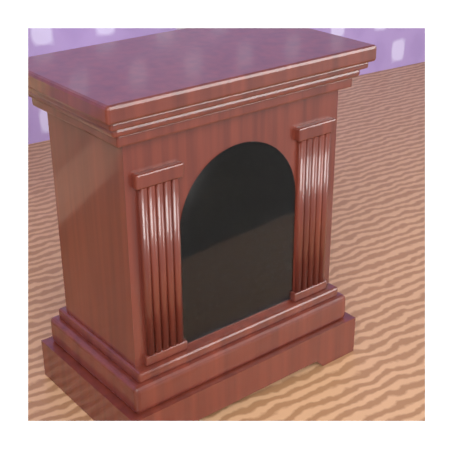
10:06
